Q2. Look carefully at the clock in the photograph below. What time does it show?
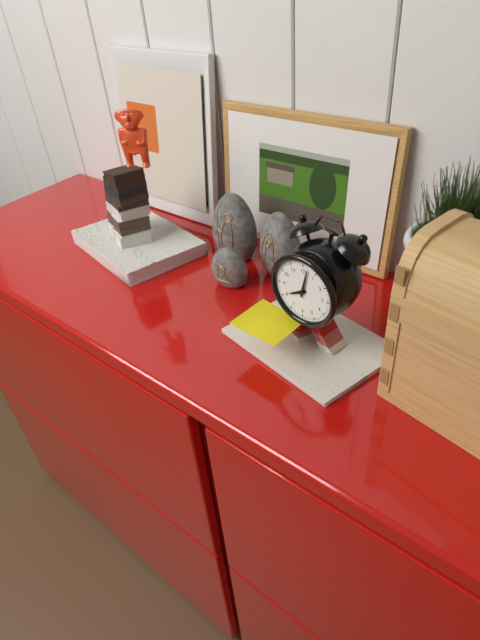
8:02
